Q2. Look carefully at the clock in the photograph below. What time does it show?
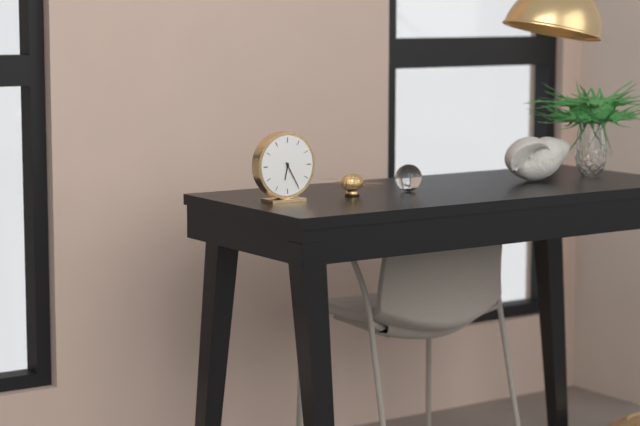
6:25
